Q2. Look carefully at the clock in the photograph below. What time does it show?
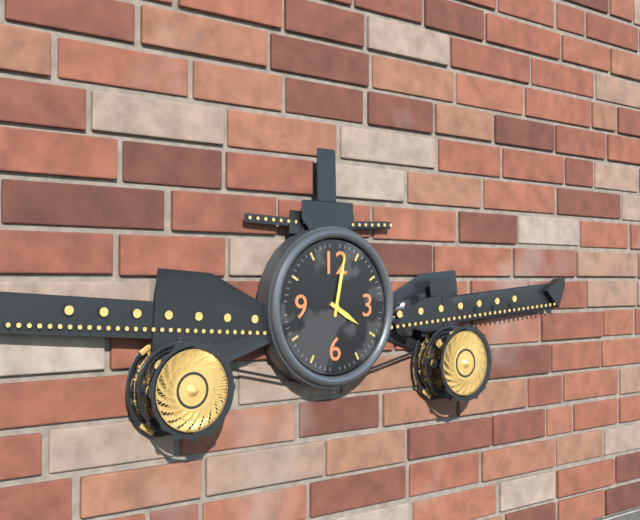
4:02
